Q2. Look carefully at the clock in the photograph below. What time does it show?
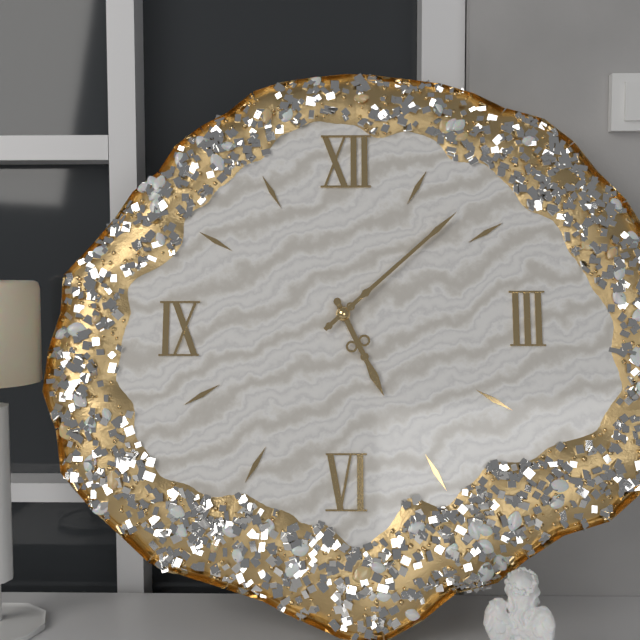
5:08
